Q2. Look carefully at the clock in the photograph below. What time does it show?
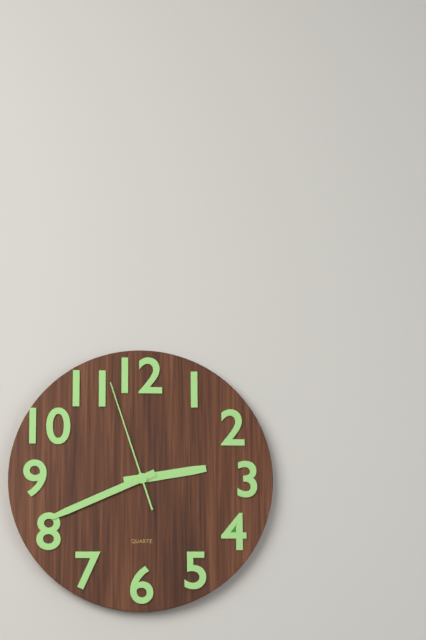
2:41:57
